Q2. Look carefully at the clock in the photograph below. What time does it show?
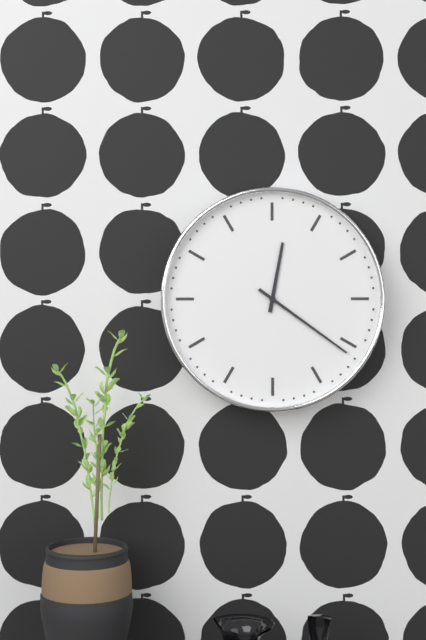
12:21
